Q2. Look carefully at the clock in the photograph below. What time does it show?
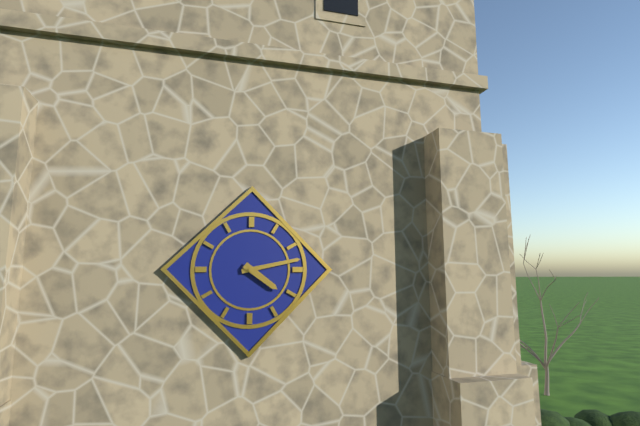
4:13
